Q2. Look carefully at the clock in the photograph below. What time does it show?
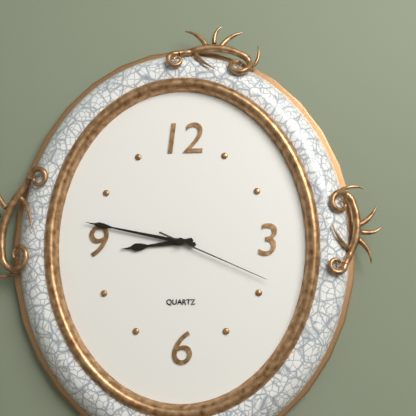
8:47:19
